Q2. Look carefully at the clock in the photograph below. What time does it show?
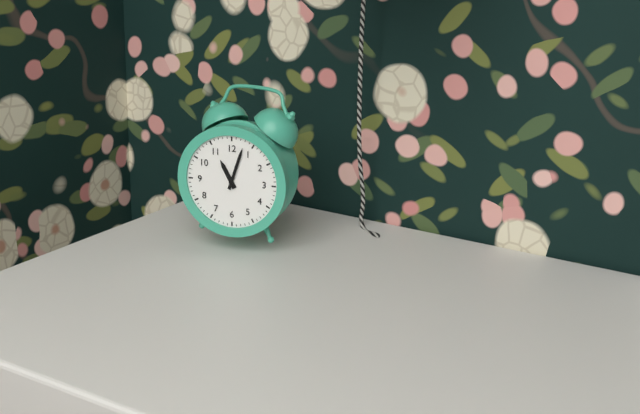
11:03
